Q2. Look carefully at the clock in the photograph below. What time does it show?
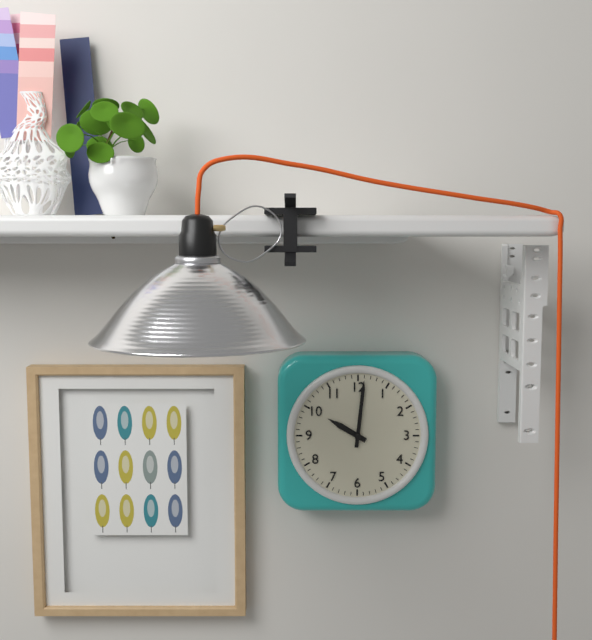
10:01
